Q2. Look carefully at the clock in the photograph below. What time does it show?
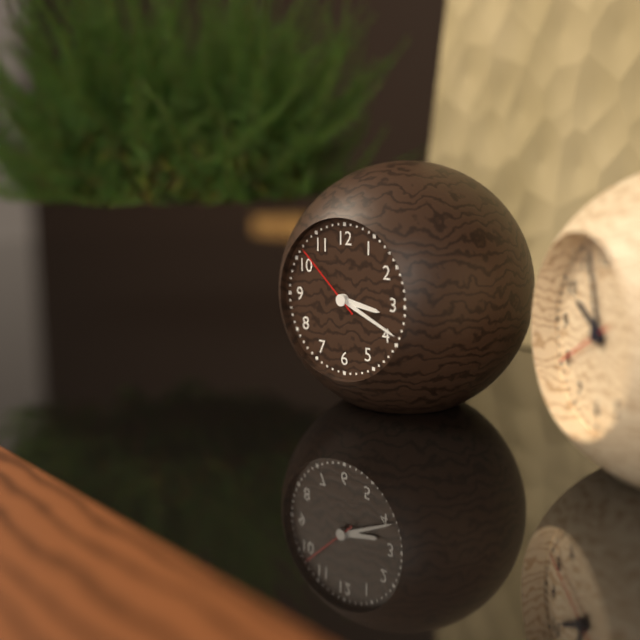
3:19:52
